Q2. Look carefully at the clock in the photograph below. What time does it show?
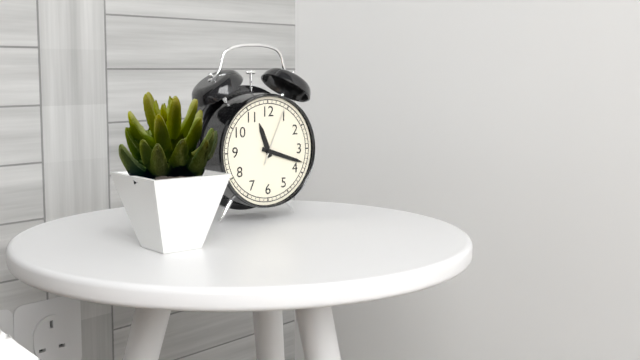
11:18:04
